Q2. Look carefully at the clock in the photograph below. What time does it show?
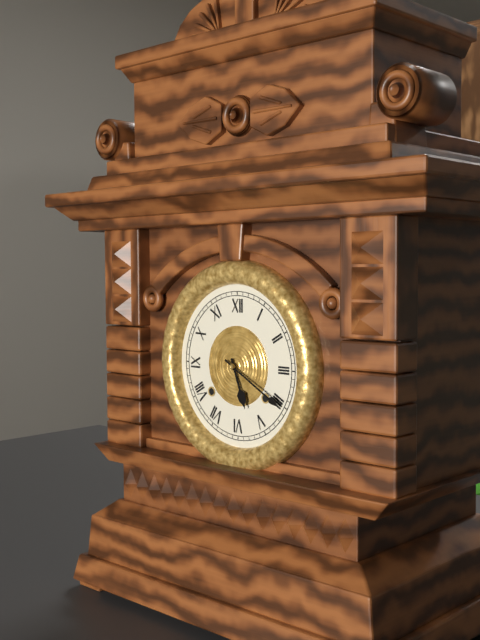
5:20
